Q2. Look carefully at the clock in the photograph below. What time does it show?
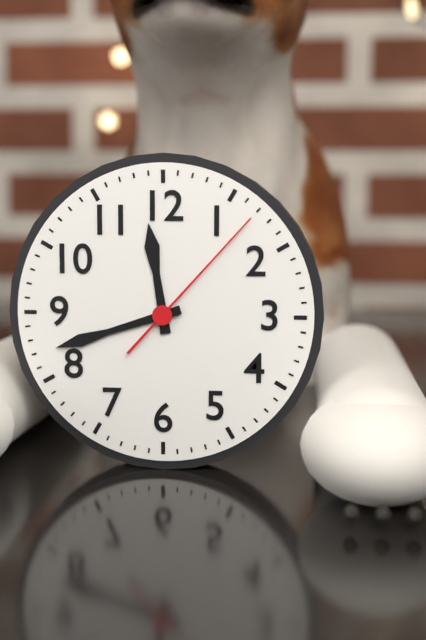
11:42:07
